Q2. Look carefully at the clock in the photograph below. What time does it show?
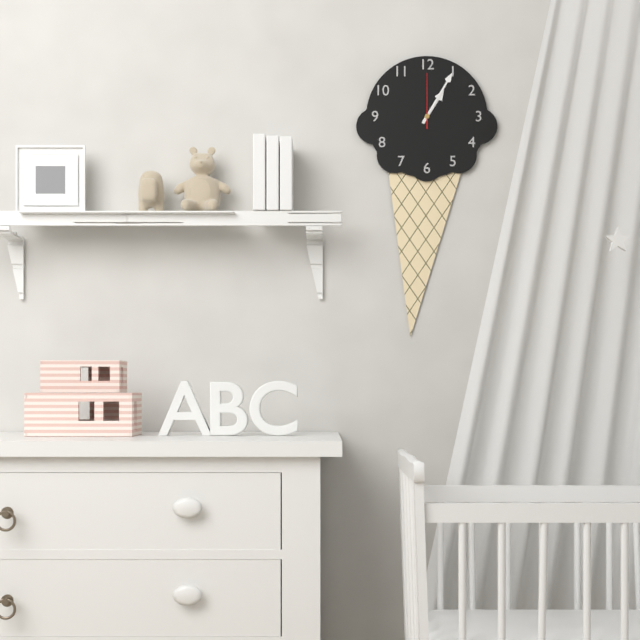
1:05:00
